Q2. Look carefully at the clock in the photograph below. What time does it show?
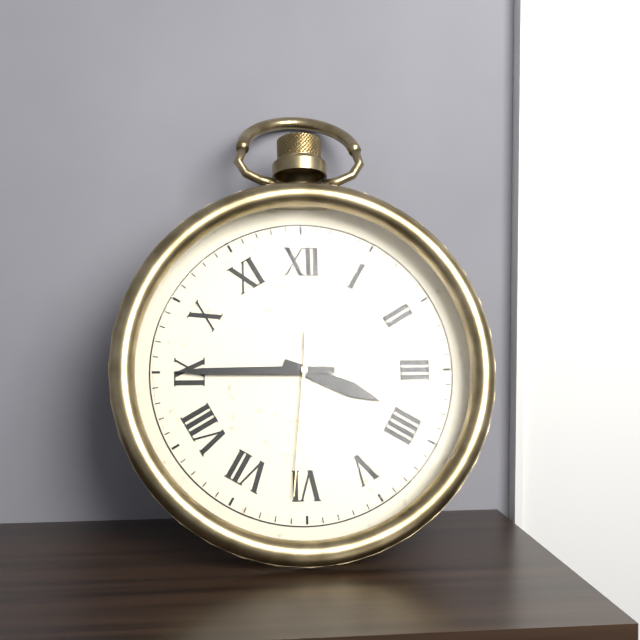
3:45:31
